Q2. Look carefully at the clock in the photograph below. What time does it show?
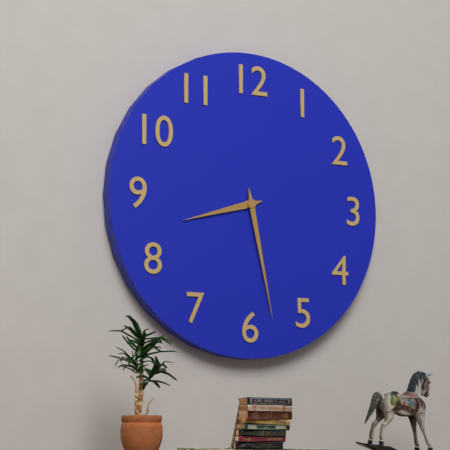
8:28
